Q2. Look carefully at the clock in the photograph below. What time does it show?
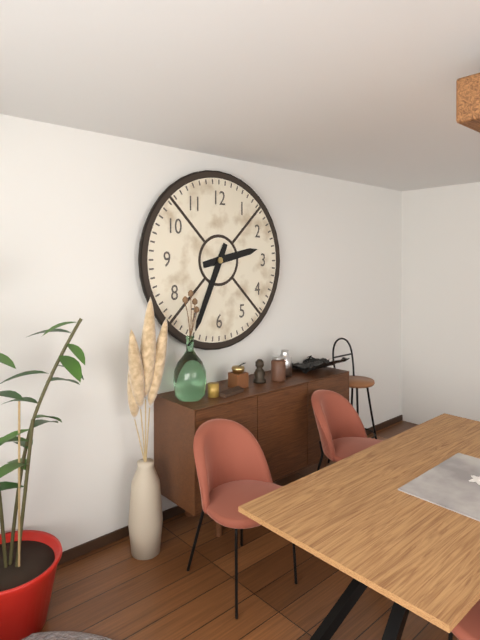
2:34
